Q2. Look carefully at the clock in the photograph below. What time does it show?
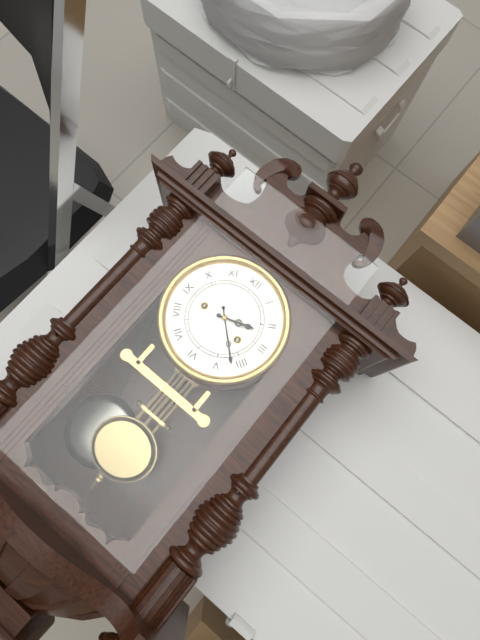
2:22
